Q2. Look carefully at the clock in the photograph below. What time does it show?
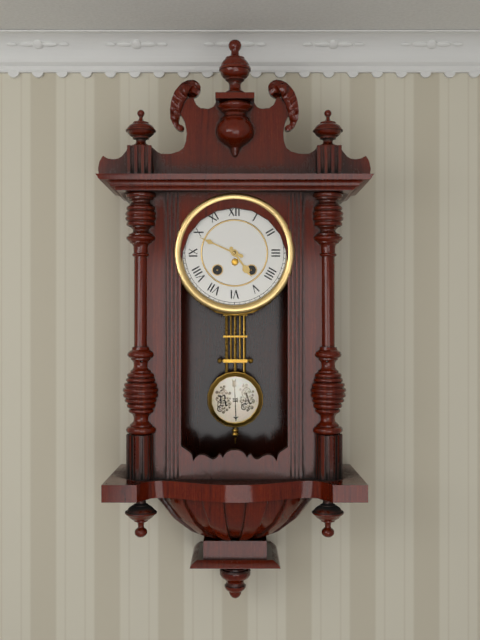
4:49
